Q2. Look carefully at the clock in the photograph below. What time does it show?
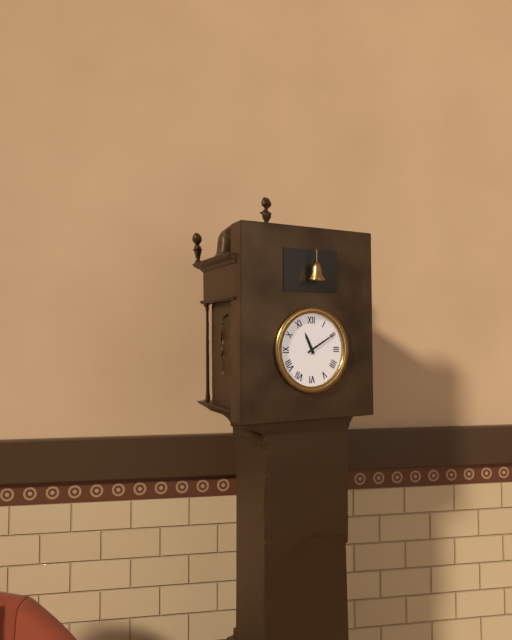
11:10
